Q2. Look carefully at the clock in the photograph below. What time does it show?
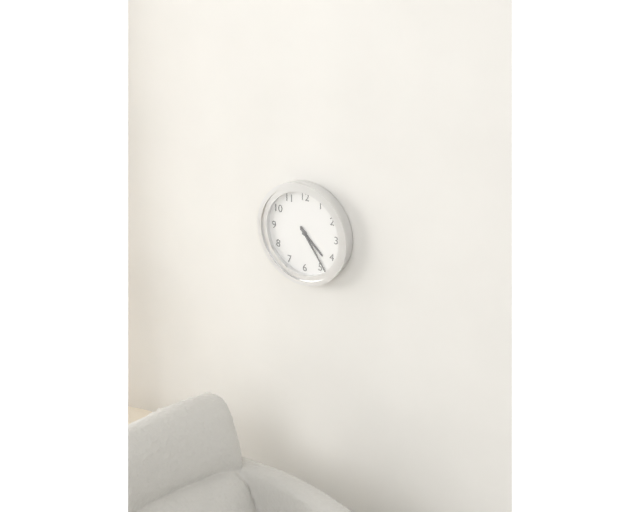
4:24
